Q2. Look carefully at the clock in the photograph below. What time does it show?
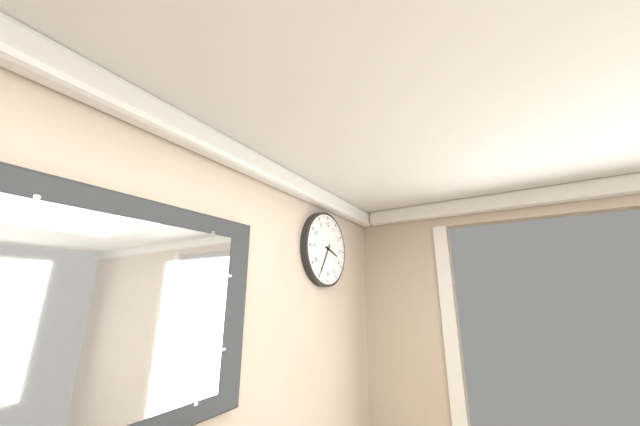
3:35
